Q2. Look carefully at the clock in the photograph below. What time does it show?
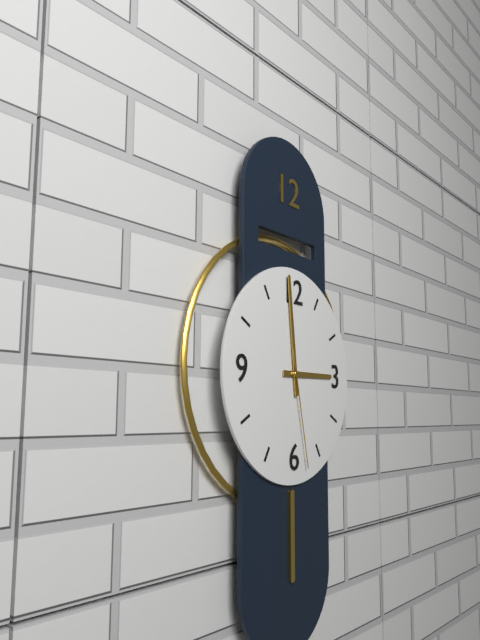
2:59:28
